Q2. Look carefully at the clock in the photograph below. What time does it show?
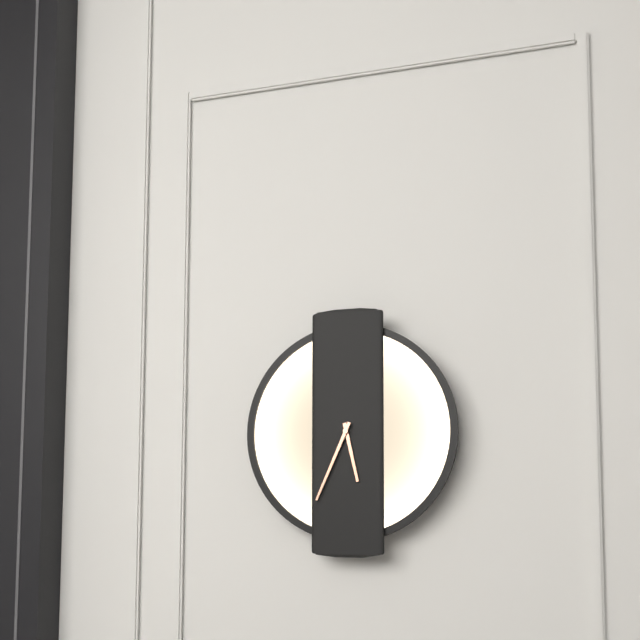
5:34
